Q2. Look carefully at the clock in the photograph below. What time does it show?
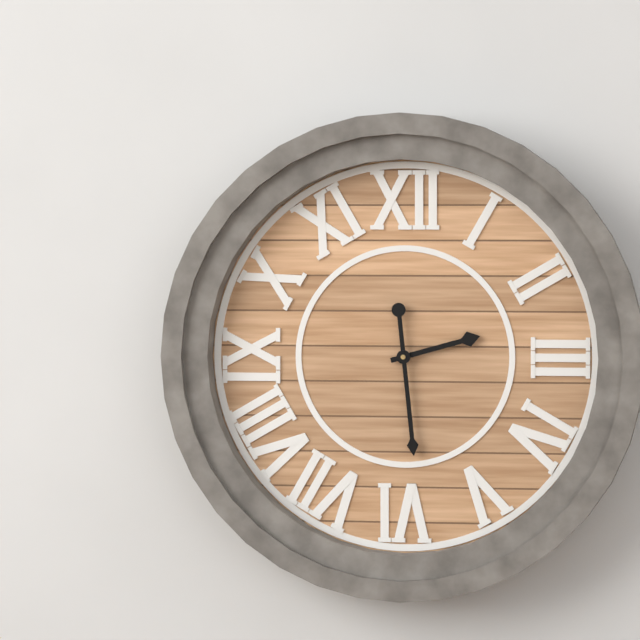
2:29
